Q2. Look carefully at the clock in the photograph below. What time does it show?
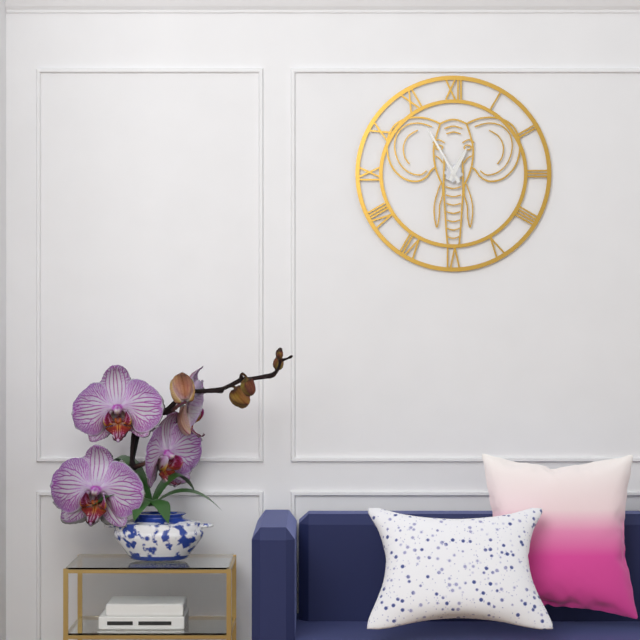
12:55
